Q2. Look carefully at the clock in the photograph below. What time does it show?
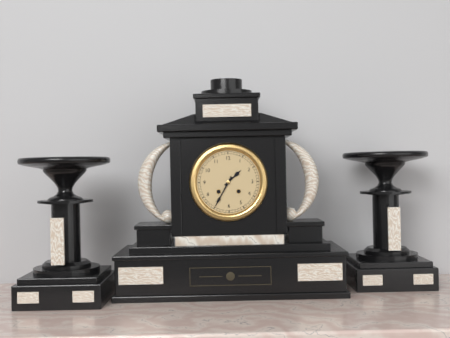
1:35
